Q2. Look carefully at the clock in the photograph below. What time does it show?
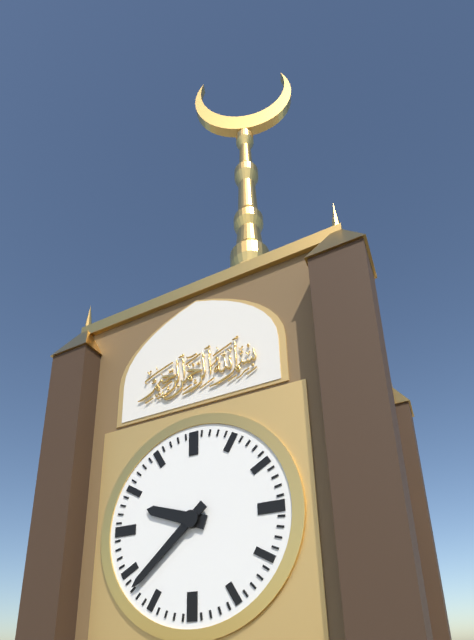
9:38
